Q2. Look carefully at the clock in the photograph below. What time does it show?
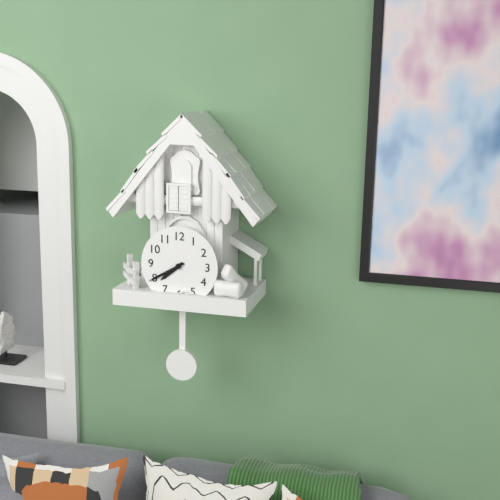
7:40
